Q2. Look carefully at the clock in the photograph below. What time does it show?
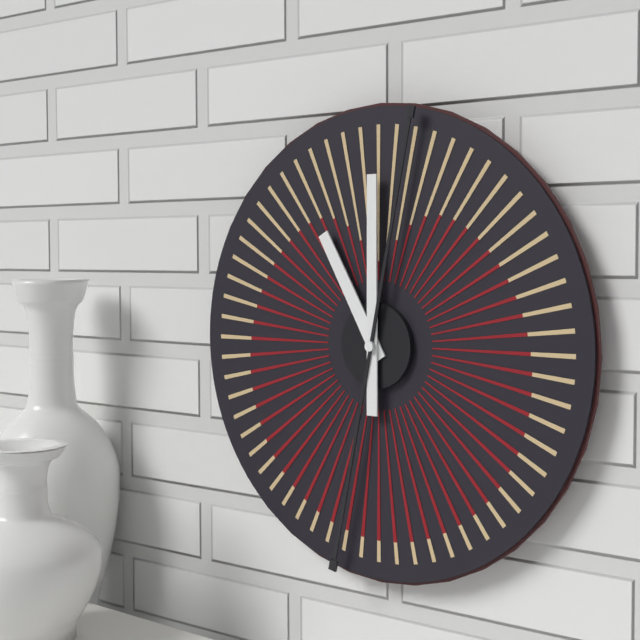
11:00
